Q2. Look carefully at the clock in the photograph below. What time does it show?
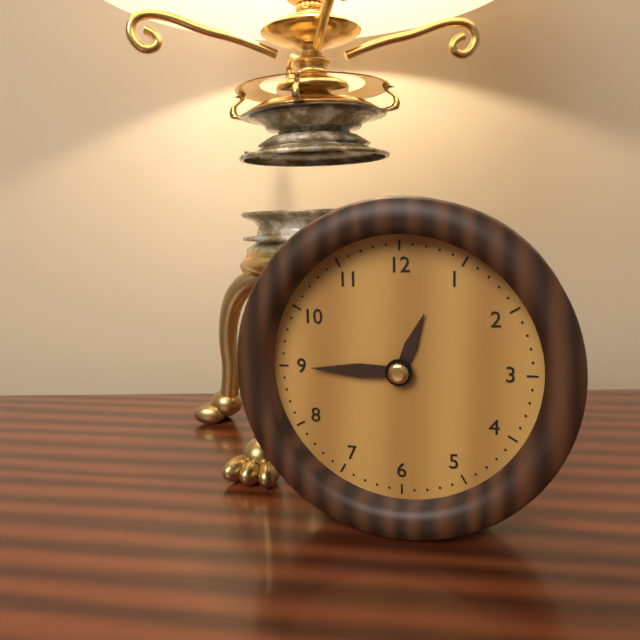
12:45
